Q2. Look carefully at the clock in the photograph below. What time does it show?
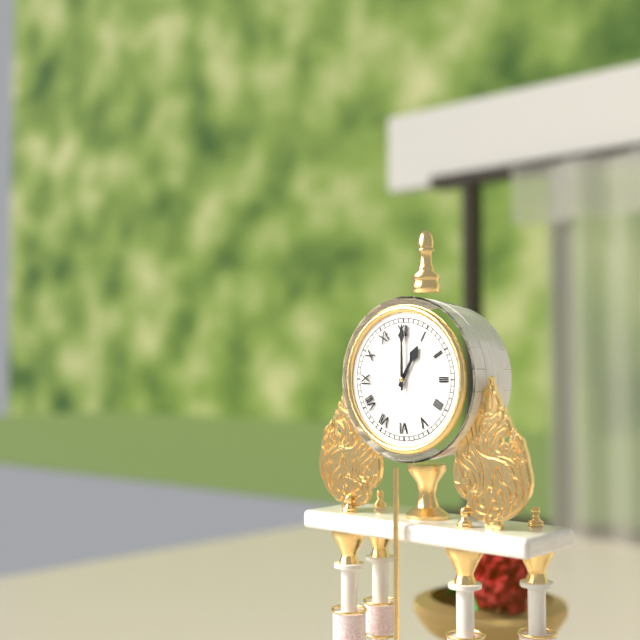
1:00
